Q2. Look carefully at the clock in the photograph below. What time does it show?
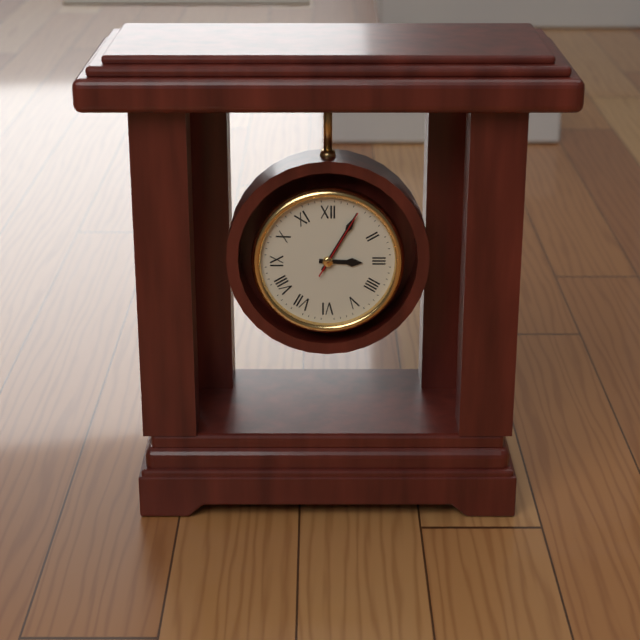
3:05:05
